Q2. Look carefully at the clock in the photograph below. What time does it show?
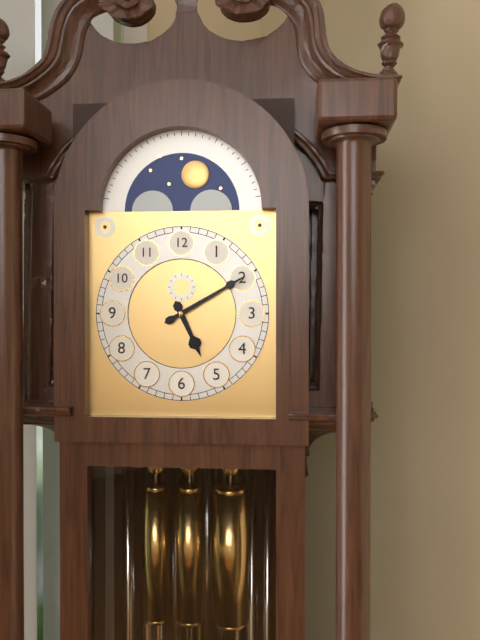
5:10
